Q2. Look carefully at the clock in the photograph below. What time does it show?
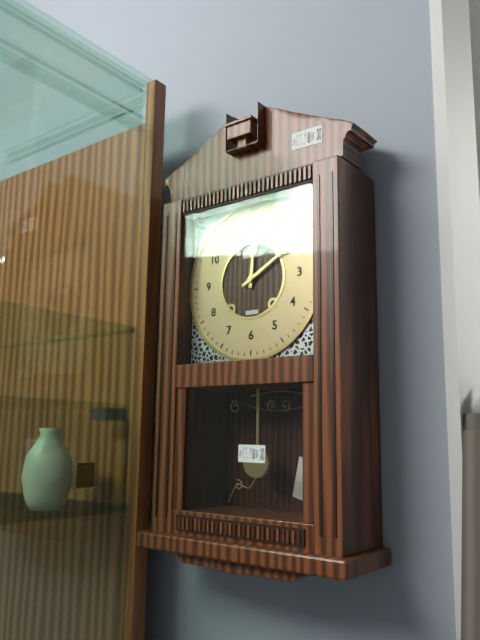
12:10
